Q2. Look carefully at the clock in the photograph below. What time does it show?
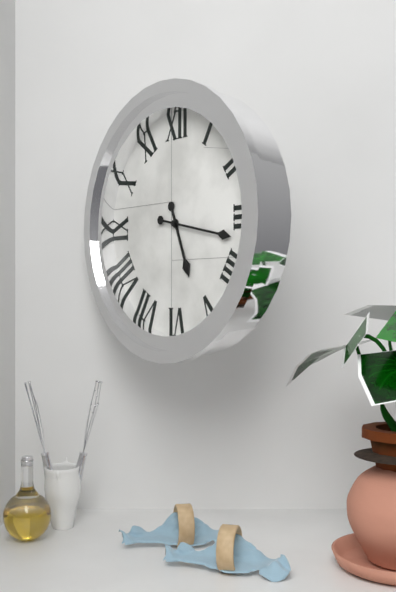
5:17
